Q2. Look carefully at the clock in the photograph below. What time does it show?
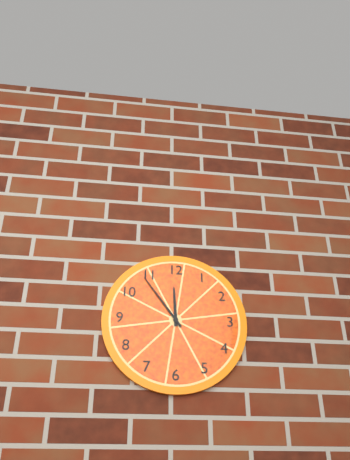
11:54
